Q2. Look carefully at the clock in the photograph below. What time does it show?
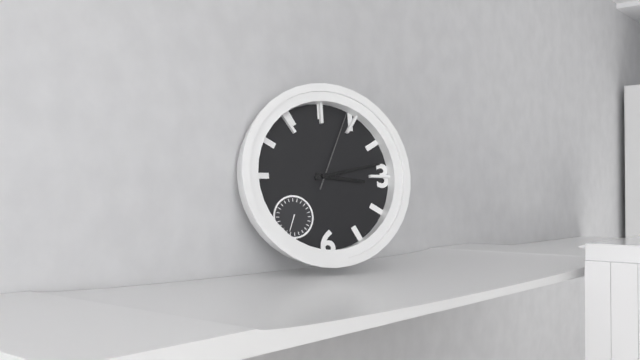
3:13:04
